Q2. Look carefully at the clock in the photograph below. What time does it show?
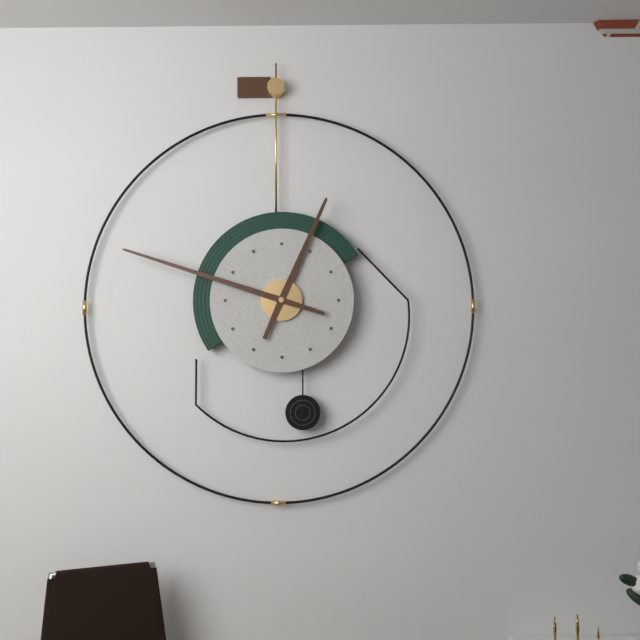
12:48
